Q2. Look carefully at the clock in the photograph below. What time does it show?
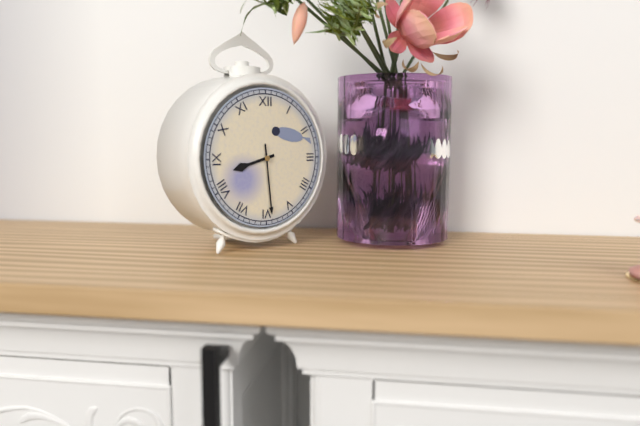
8:29
